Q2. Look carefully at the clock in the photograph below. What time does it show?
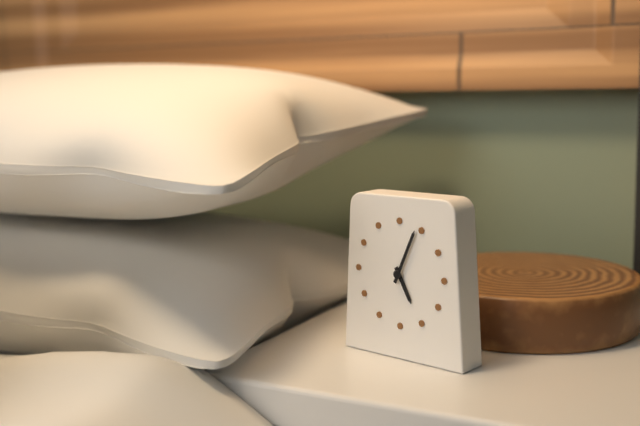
5:04
